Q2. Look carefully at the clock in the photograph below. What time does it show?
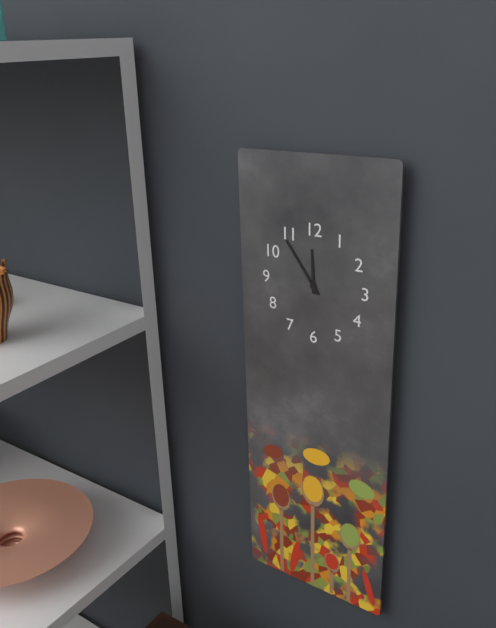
11:54
